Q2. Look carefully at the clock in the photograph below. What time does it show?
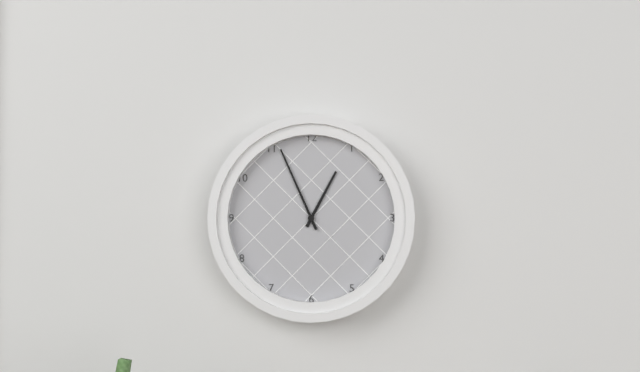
12:56
